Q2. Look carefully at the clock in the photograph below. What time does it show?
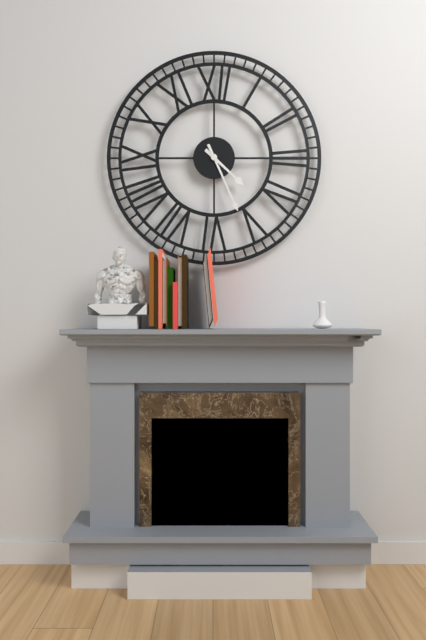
4:26
